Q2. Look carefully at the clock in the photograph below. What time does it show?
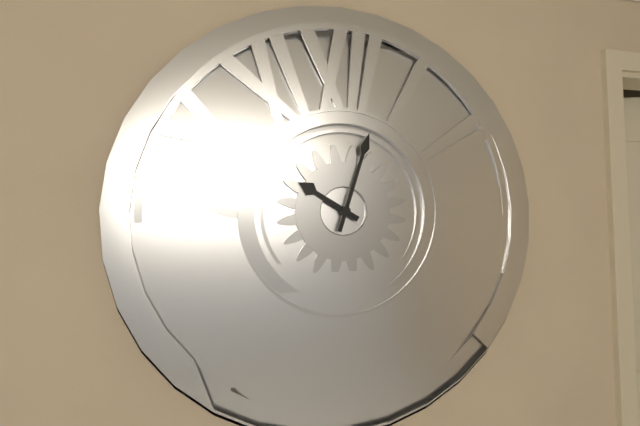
10:03
